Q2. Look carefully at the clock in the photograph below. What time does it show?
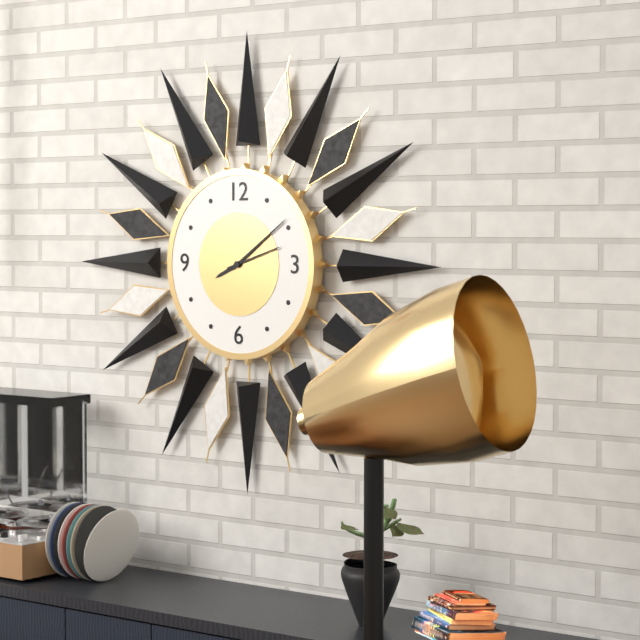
8:09:12
